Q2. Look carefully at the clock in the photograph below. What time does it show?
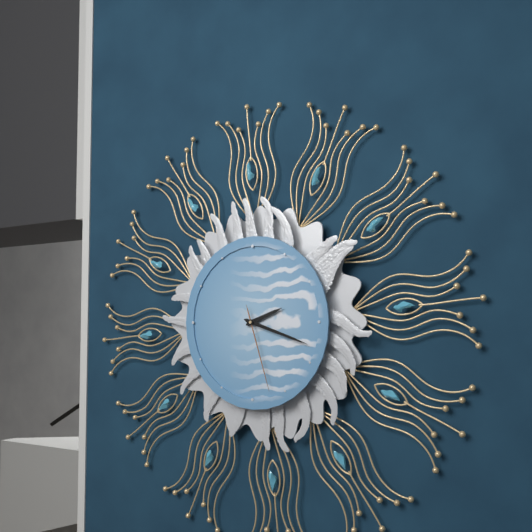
2:18:27
